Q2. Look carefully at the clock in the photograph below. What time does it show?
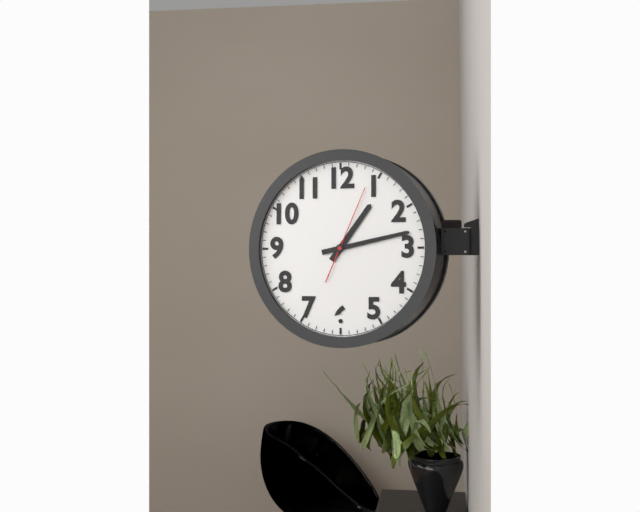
1:13:04
